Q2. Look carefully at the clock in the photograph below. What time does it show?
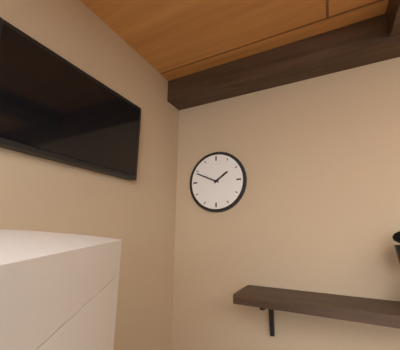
1:49
